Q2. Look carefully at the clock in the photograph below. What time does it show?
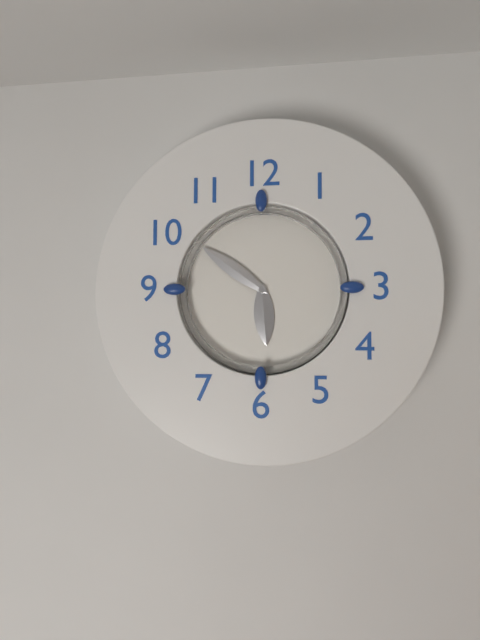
5:51
